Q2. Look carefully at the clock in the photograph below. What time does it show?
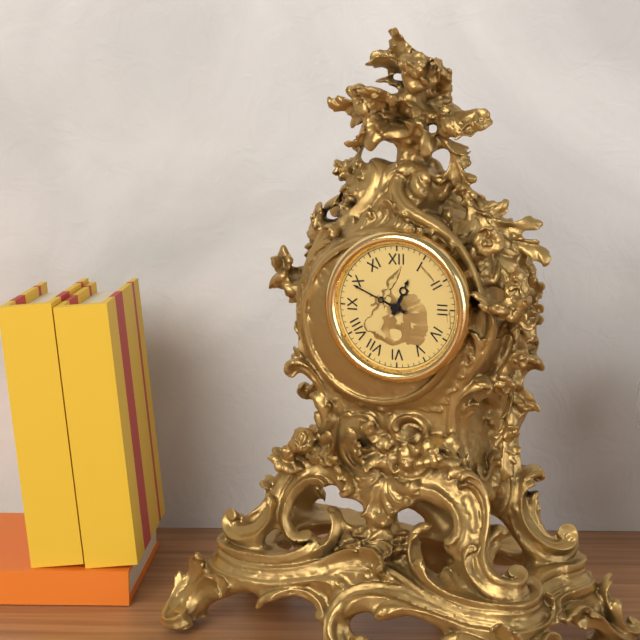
12:49
